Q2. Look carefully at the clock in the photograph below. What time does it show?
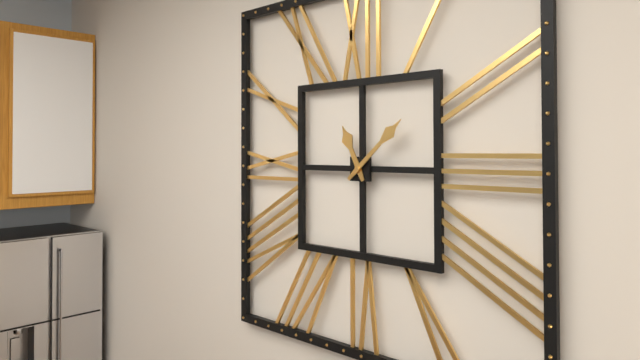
11:08
